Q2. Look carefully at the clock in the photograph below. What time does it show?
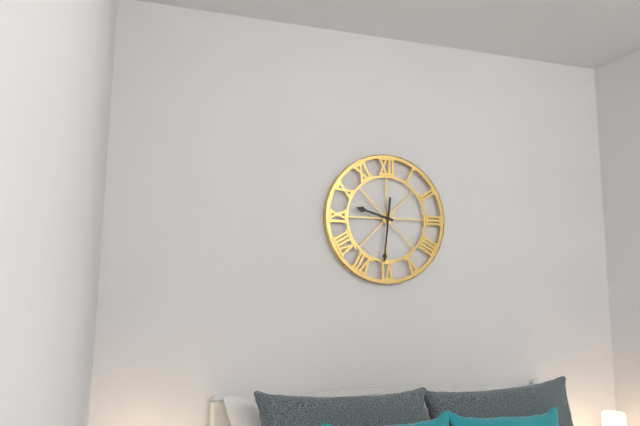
9:31
